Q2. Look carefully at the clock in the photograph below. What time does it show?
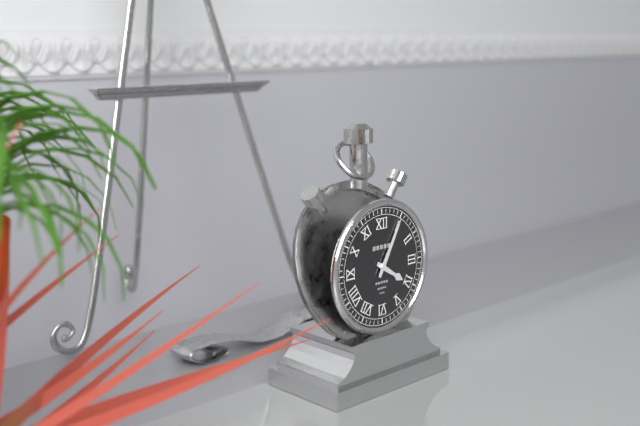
4:05
